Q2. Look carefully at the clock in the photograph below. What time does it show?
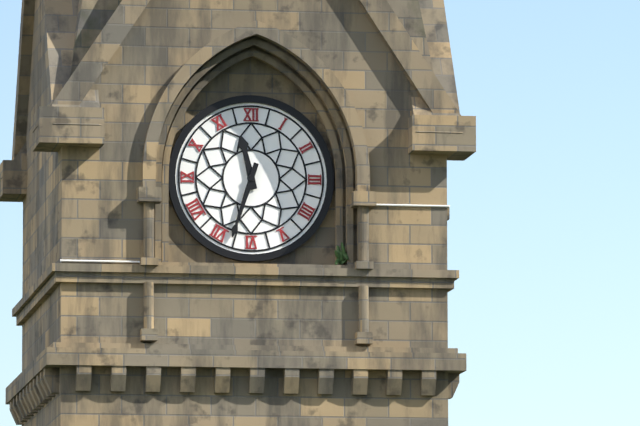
11:33
